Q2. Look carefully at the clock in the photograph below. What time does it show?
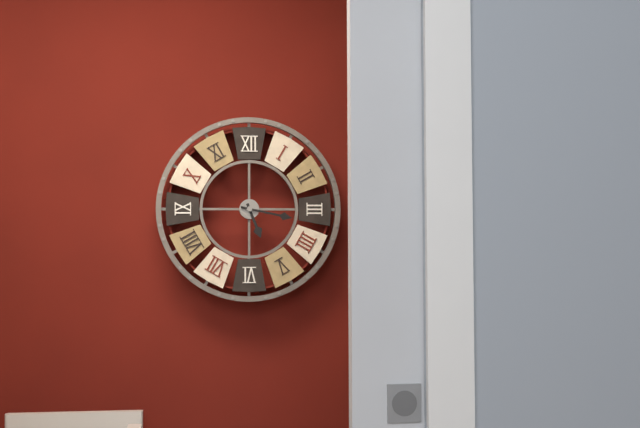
5:17
